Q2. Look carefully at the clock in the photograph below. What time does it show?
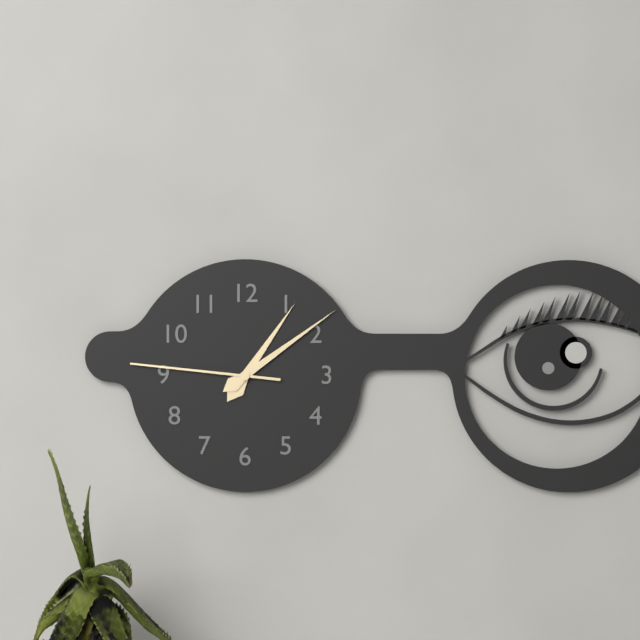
1:09:46
